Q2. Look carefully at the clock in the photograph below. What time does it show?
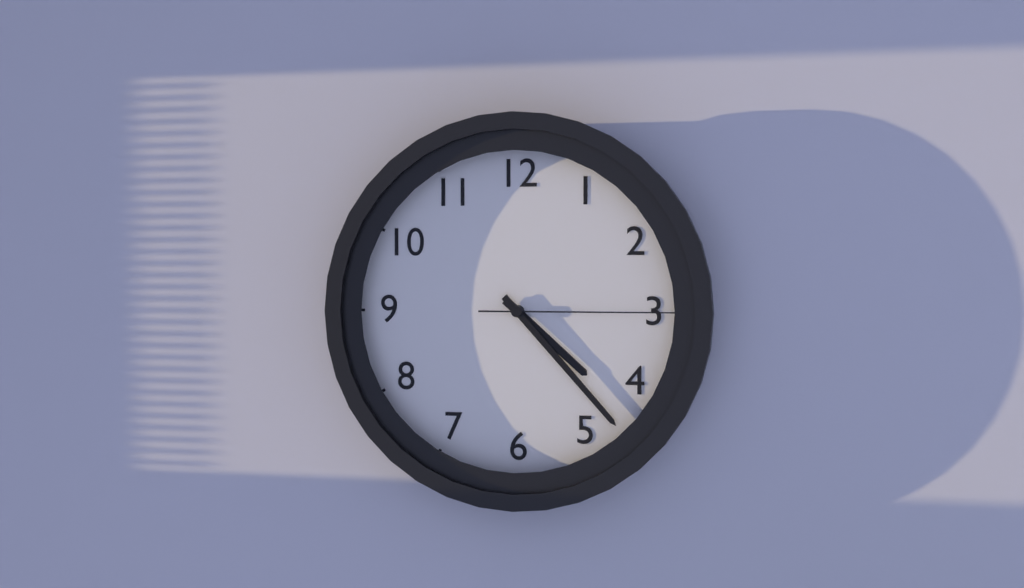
4:23:15
